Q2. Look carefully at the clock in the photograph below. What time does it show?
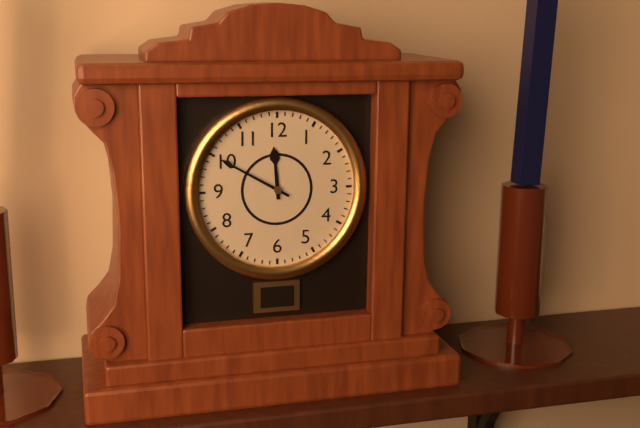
11:50
